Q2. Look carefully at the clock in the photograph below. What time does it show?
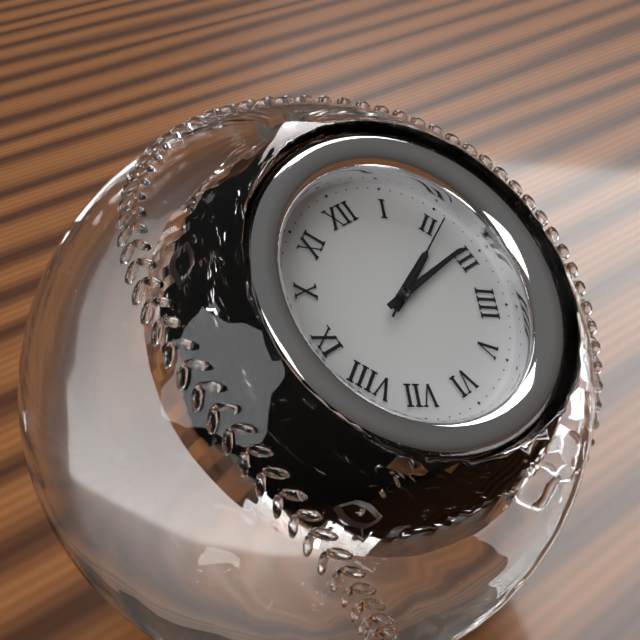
2:14:11
